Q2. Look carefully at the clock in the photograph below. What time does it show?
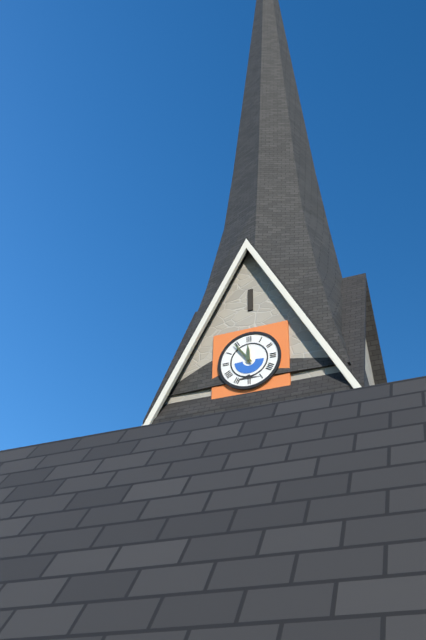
11:54
